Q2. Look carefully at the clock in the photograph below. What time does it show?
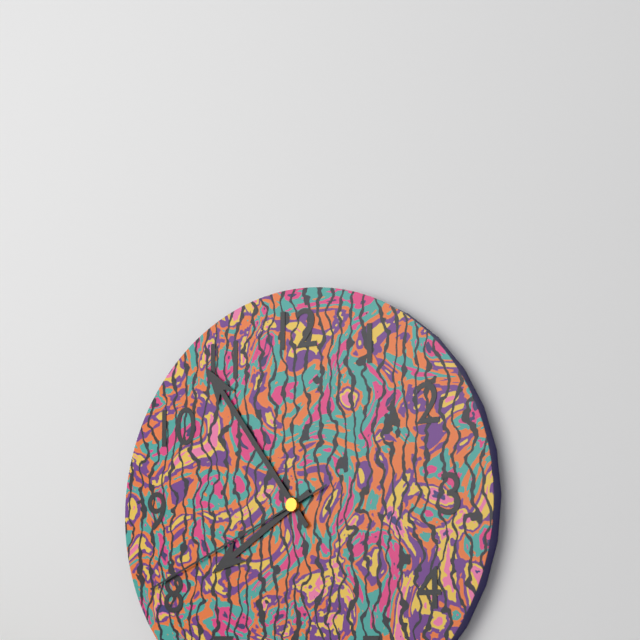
7:54:41
